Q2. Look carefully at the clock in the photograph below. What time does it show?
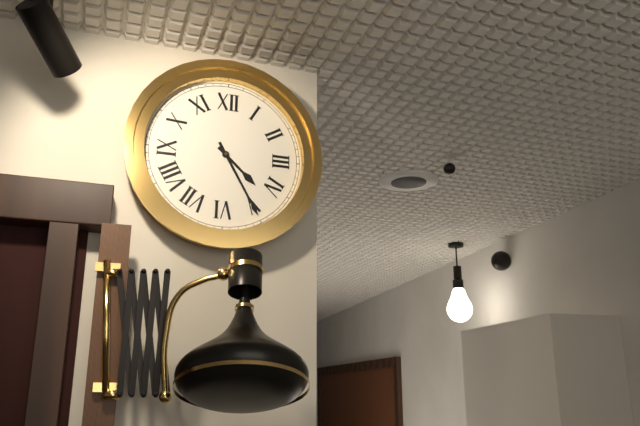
4:25
